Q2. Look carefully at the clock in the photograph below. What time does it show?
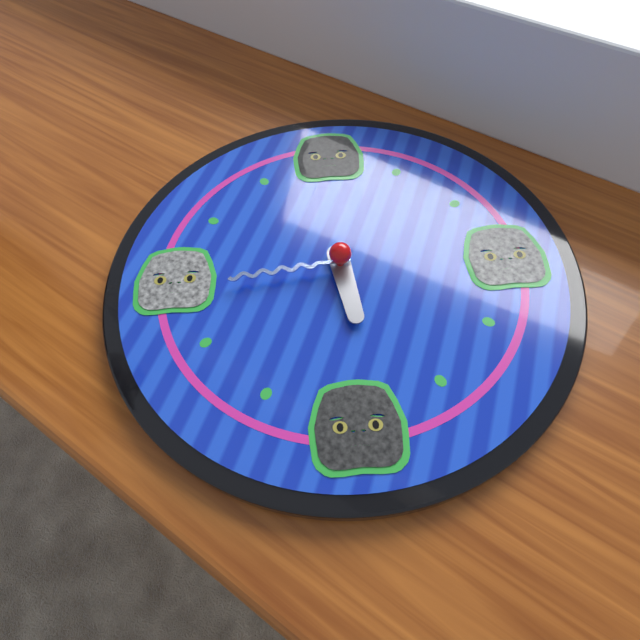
5:44
